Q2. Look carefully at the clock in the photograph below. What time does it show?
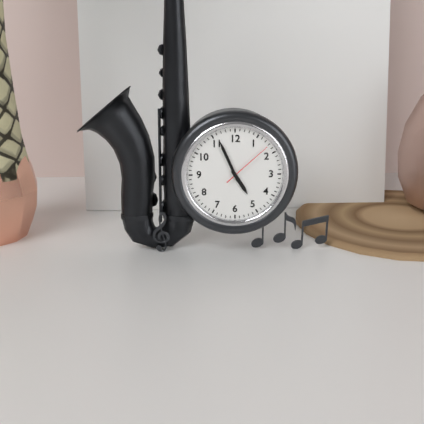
4:56:08
